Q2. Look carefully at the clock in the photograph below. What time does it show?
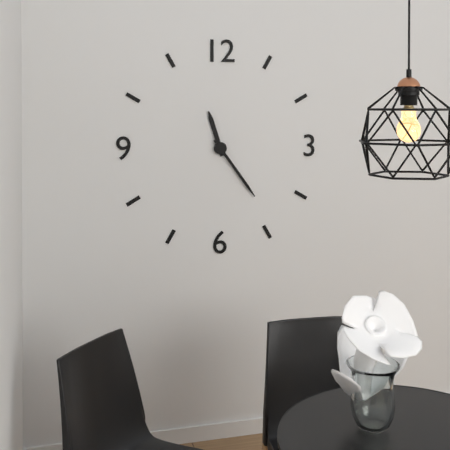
11:24
